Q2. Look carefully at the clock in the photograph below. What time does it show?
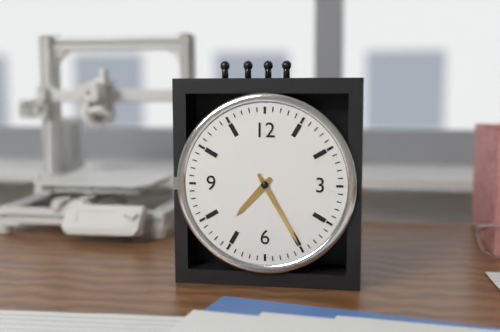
7:25
